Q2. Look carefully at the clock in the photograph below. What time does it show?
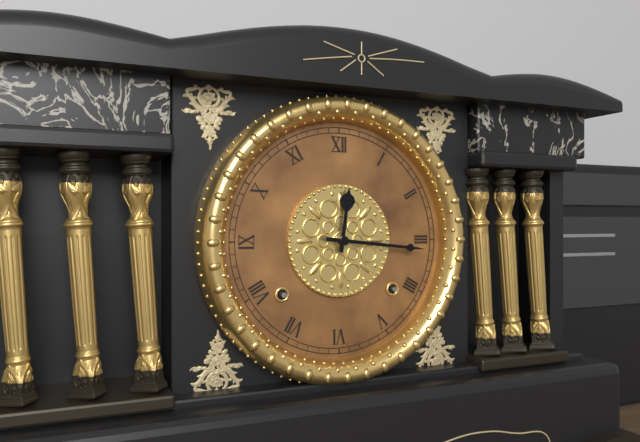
12:16
